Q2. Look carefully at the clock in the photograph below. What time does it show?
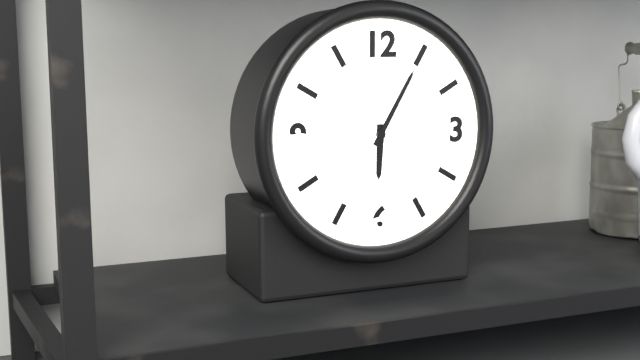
6:05
